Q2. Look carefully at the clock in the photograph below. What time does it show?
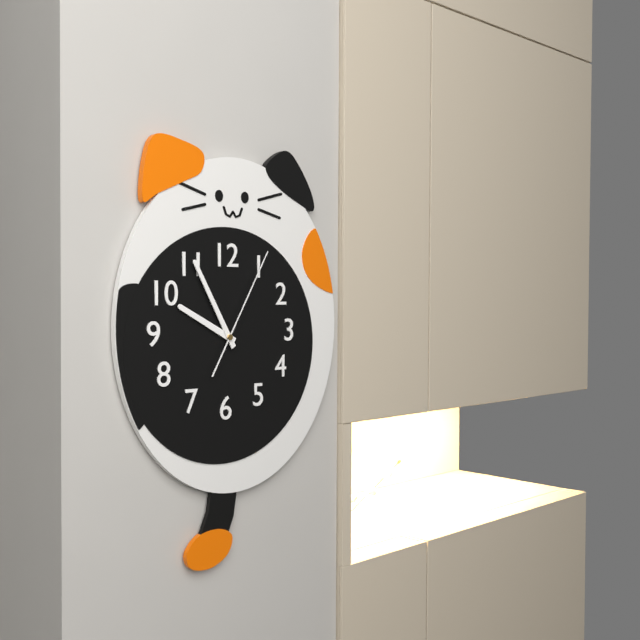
9:55:05
